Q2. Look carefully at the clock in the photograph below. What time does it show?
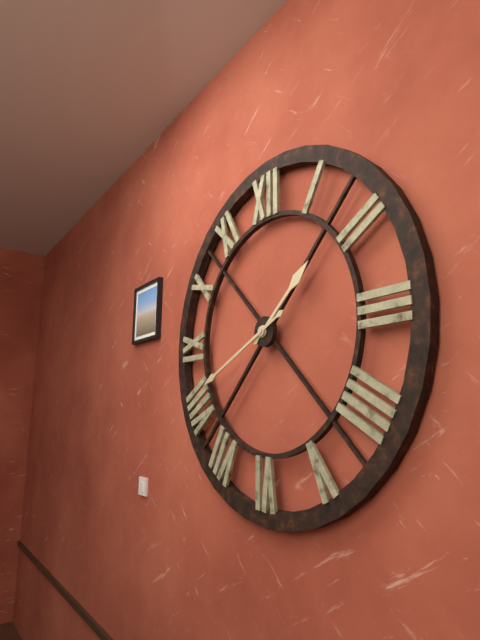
1:41
